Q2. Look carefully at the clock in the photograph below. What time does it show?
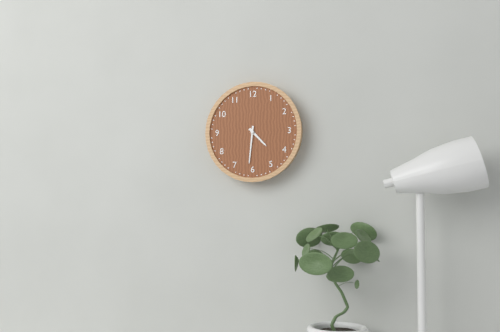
4:31
